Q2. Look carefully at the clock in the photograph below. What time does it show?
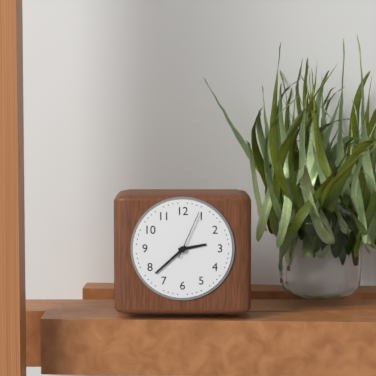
2:38:04
